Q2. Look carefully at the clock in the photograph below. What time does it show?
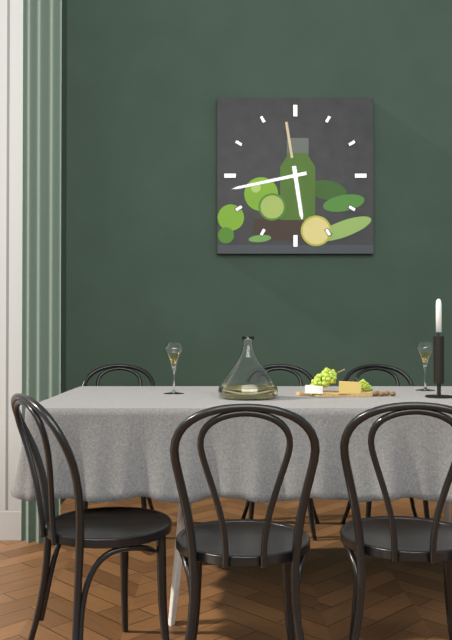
5:43
